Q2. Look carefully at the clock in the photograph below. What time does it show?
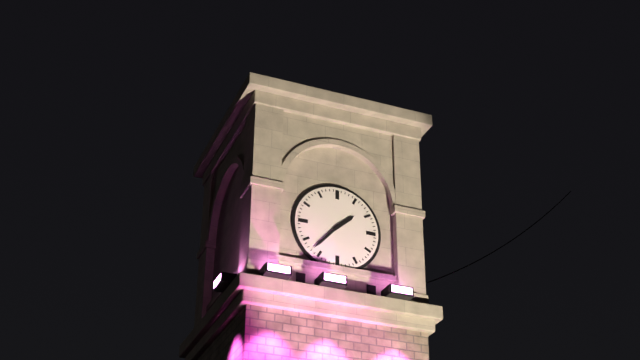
1:37
